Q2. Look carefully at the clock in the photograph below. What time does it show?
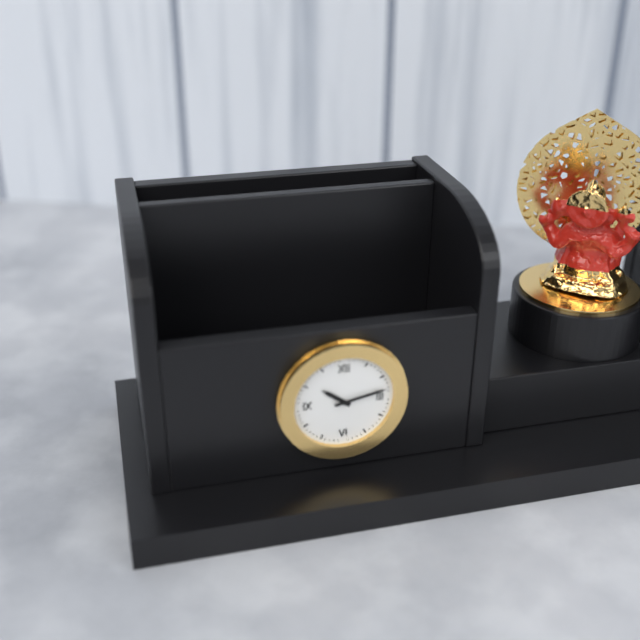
10:13
